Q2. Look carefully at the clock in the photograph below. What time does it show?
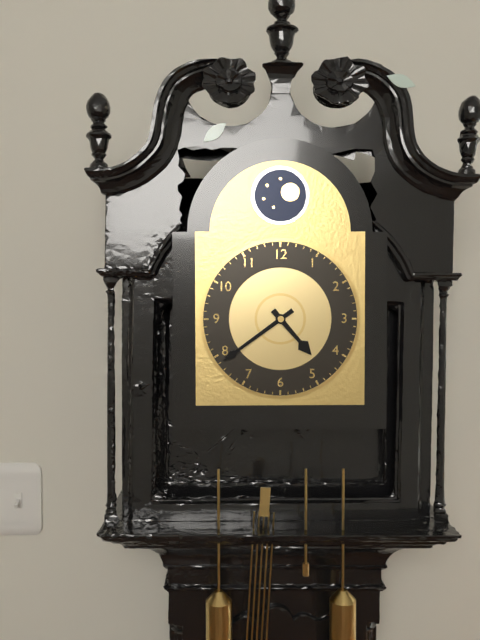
4:39
